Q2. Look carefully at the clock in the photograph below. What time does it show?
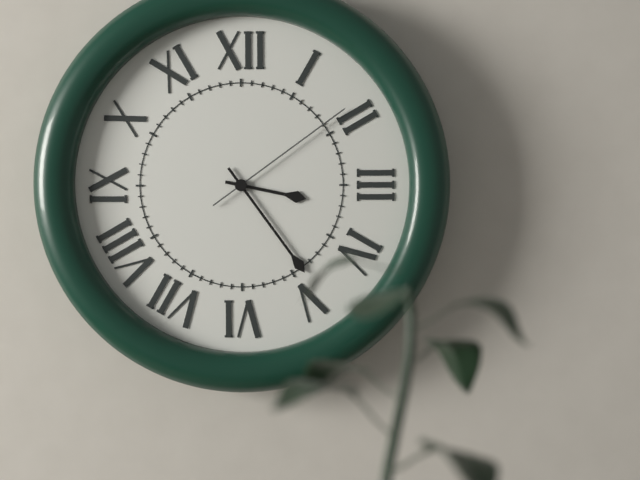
3:24:09
